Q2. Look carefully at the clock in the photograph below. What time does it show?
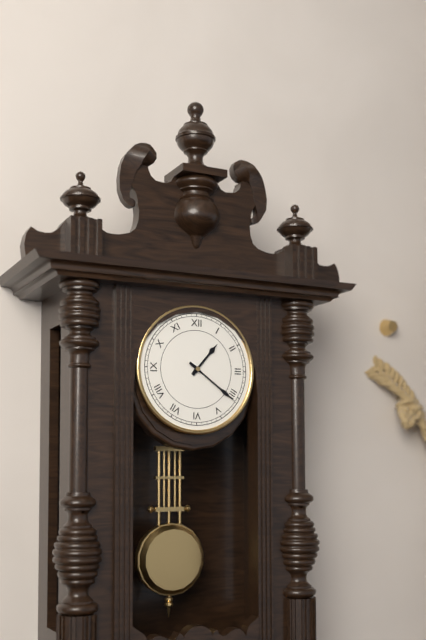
1:21
